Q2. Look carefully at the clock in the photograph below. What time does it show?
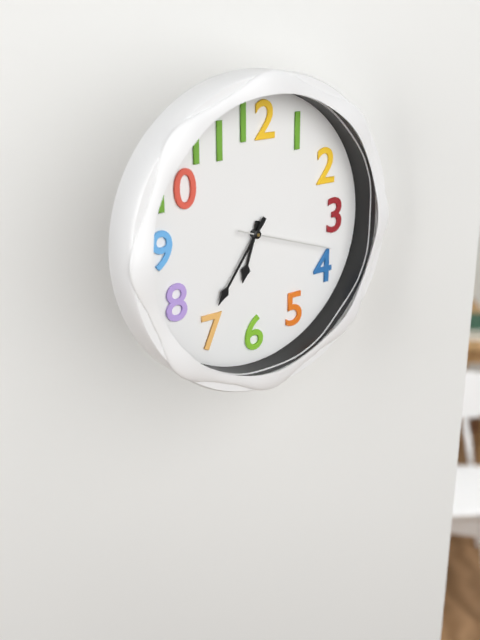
6:36:18
